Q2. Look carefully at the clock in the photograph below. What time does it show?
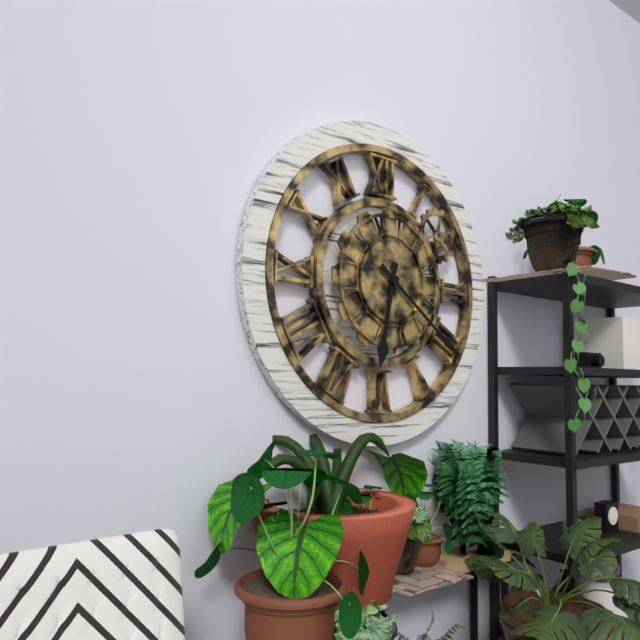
6:21
